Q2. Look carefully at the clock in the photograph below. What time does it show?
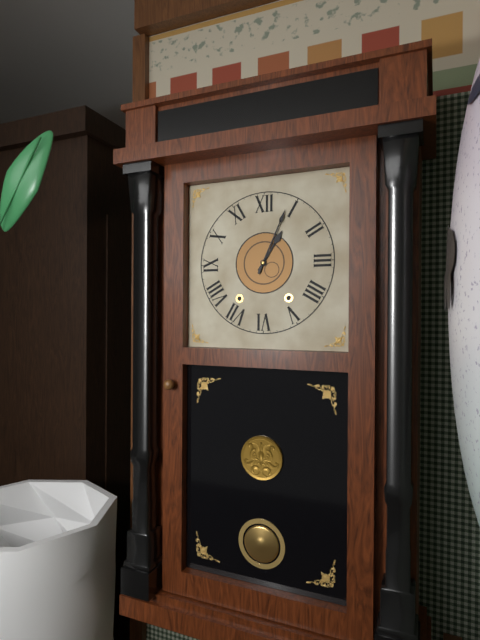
1:04
